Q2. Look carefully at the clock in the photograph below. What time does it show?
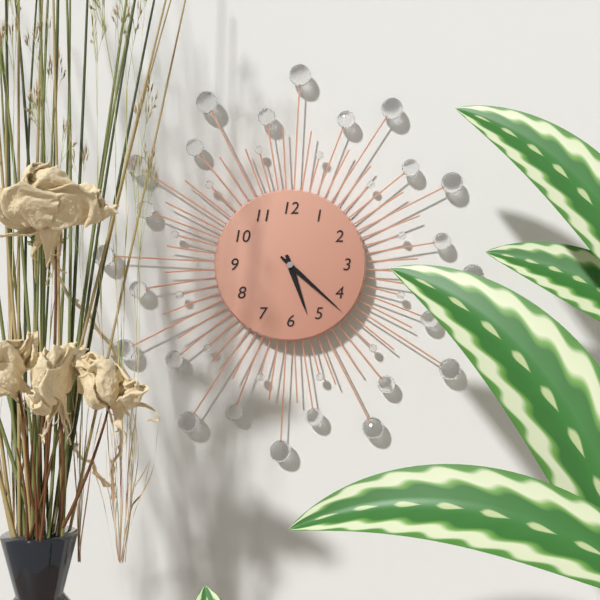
5:22
